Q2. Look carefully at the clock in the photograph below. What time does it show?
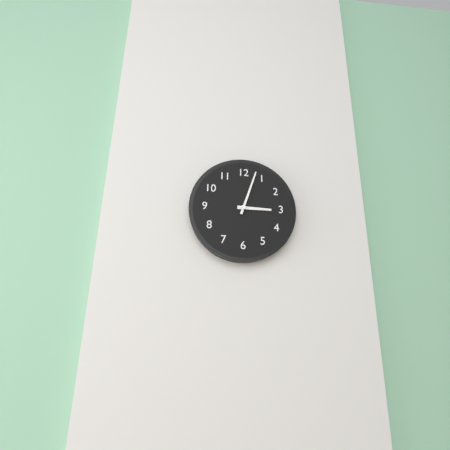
3:03
